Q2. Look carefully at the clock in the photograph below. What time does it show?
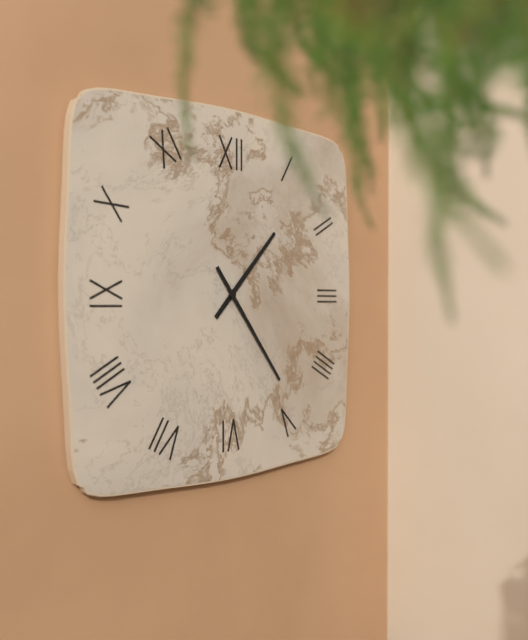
1:24
